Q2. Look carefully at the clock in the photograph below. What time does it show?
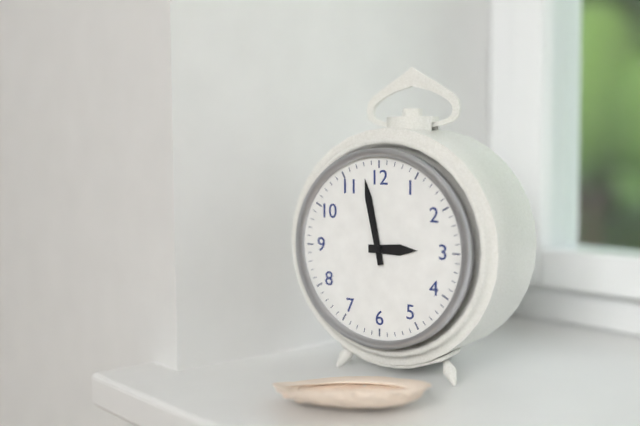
2:58
